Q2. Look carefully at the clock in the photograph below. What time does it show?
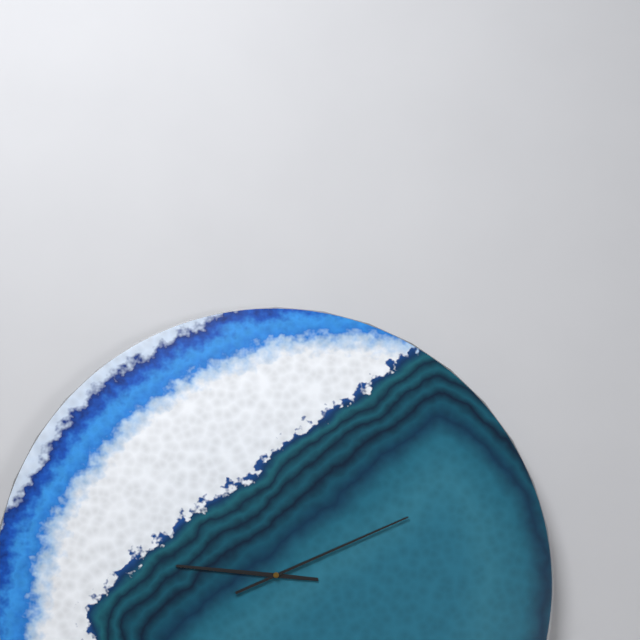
9:11
